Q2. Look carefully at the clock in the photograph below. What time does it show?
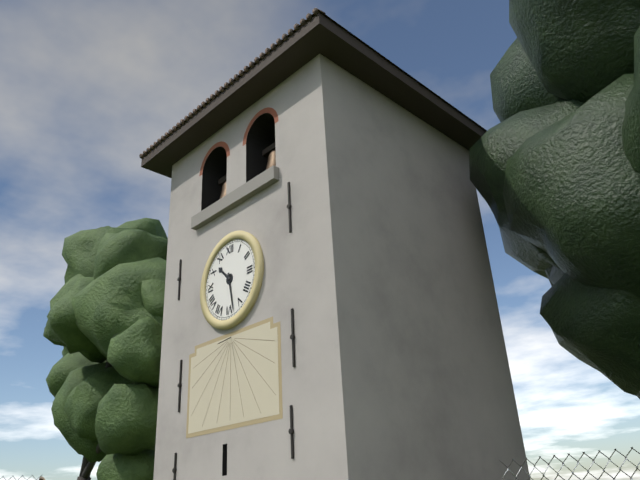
10:28
